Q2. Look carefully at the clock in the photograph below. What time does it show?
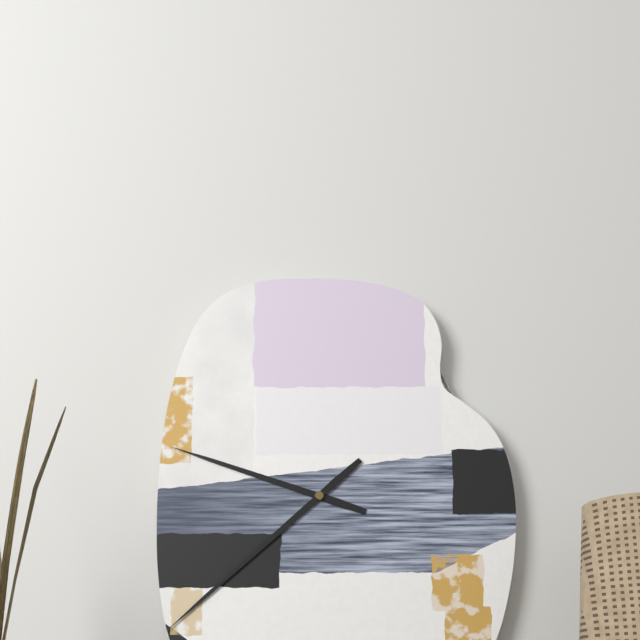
9:38
